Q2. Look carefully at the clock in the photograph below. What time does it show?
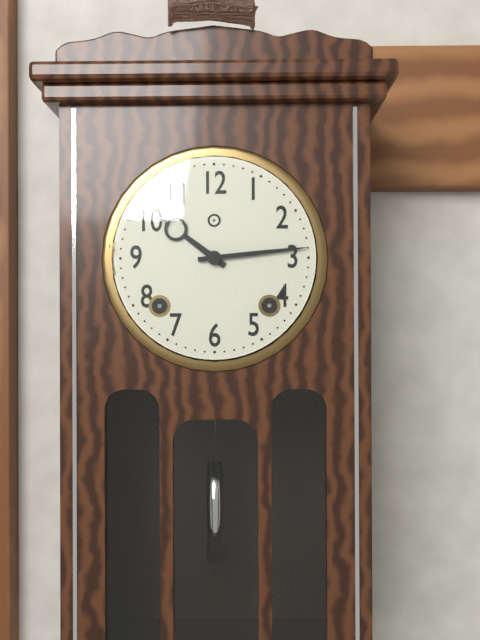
10:14
